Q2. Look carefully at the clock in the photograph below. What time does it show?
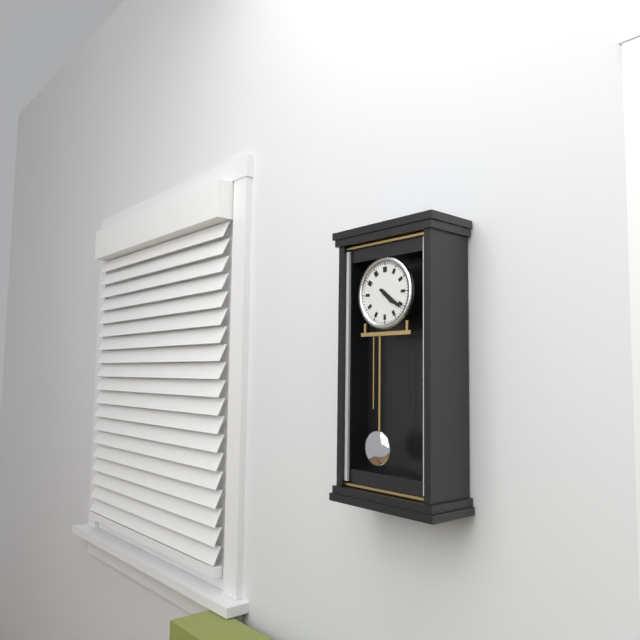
4:21
